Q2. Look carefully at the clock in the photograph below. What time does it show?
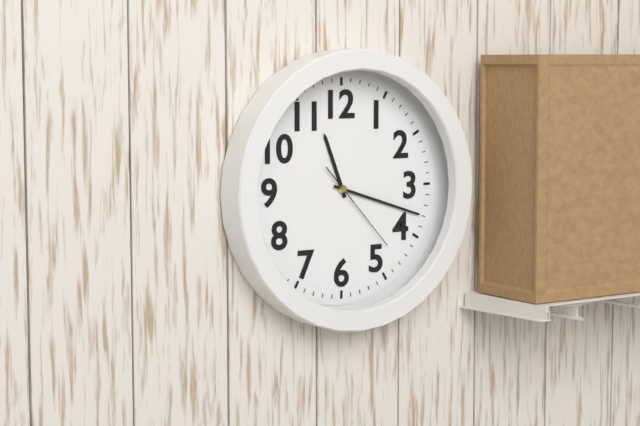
11:18:23
